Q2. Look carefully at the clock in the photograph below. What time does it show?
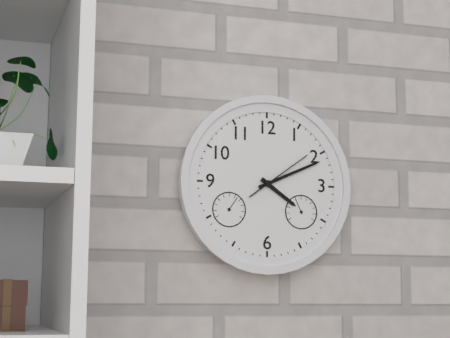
4:11:09
